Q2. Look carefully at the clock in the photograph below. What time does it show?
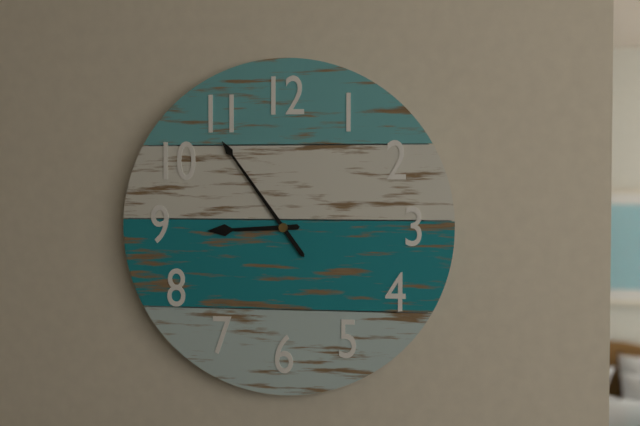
8:54
